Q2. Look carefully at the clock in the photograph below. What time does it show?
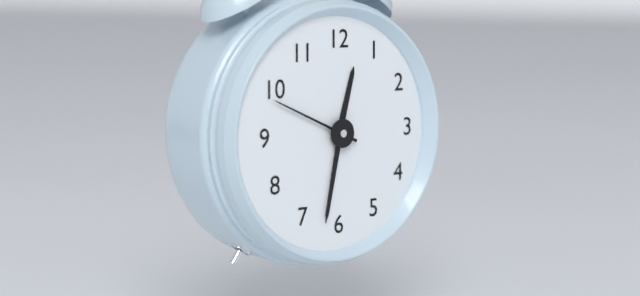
12:32:49
